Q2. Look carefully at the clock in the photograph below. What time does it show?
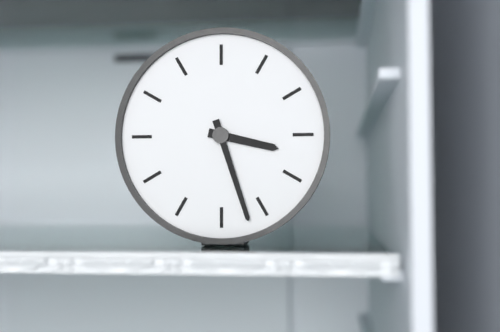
3:27
